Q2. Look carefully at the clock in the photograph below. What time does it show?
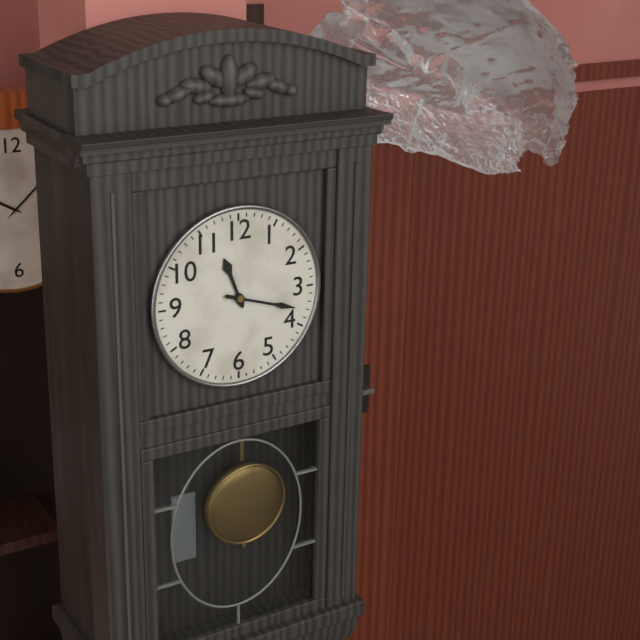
11:18
